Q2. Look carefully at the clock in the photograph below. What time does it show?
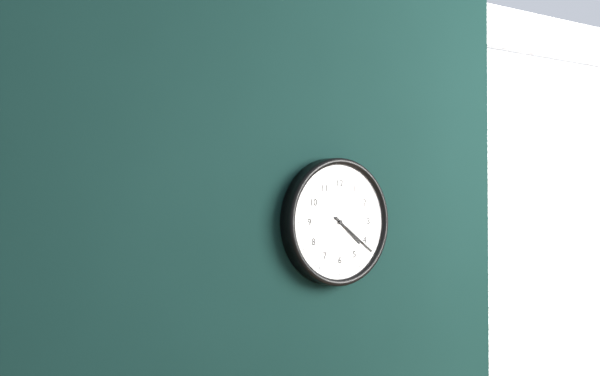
4:21
